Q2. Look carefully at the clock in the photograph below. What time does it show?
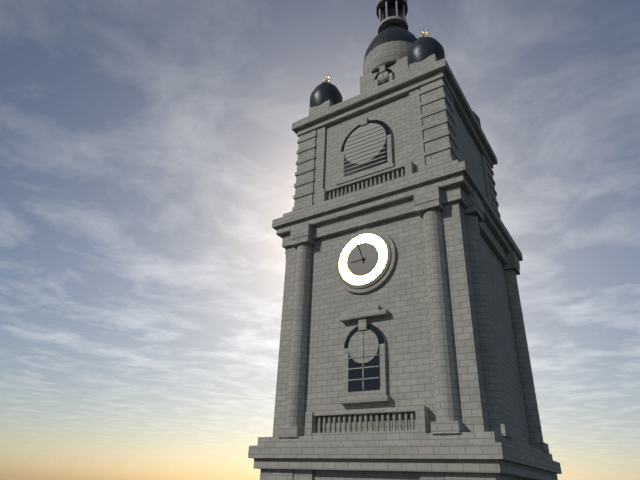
8:57
